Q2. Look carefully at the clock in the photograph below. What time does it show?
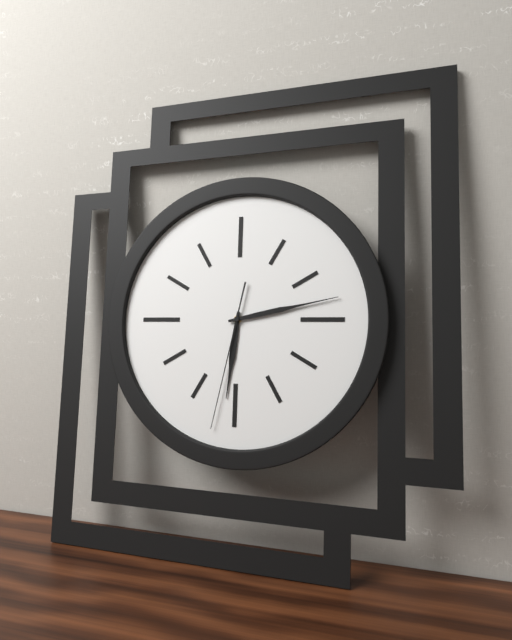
6:13:32
